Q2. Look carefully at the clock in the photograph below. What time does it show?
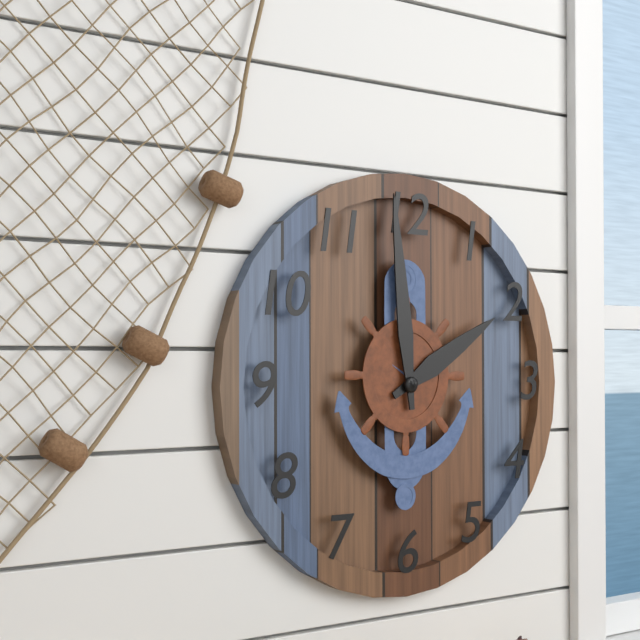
1:59
